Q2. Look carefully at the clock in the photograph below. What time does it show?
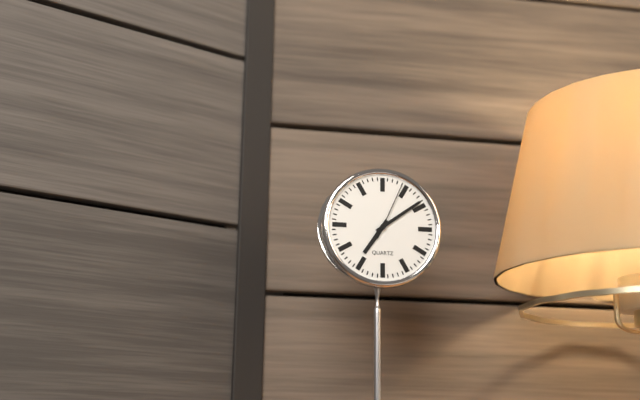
7:09:04
